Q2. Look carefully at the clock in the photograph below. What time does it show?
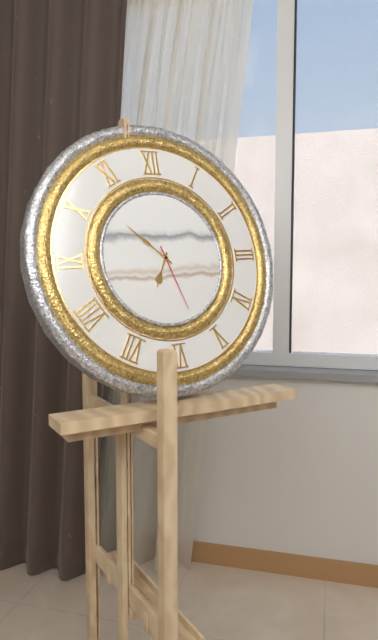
6:52:27
